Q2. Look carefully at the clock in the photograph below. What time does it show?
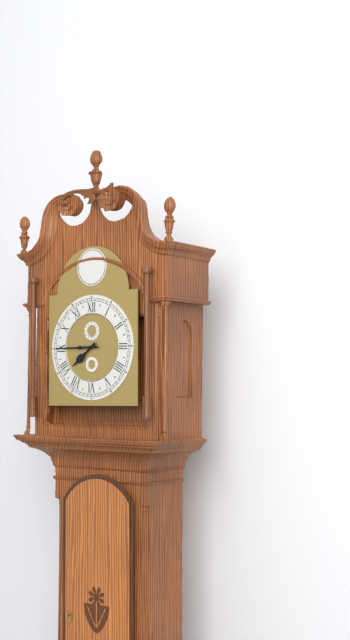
7:45
